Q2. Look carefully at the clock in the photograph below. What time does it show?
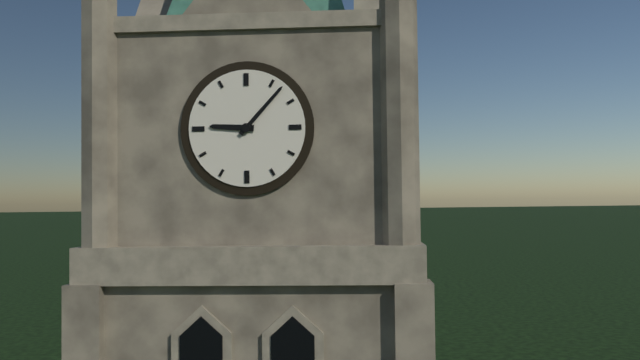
9:07
